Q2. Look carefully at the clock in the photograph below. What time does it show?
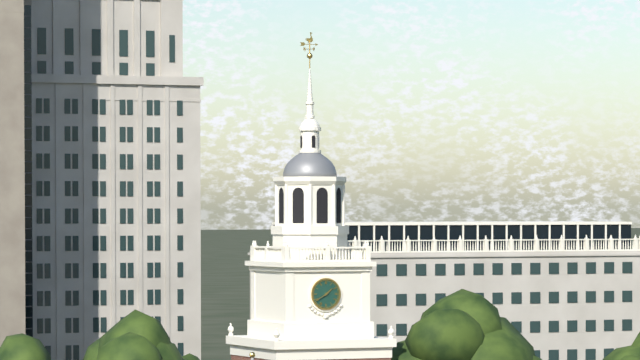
1:40
